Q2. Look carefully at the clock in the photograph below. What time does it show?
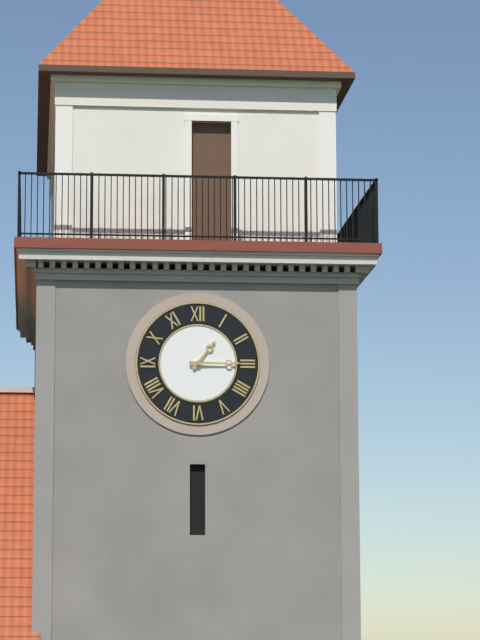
1:15
